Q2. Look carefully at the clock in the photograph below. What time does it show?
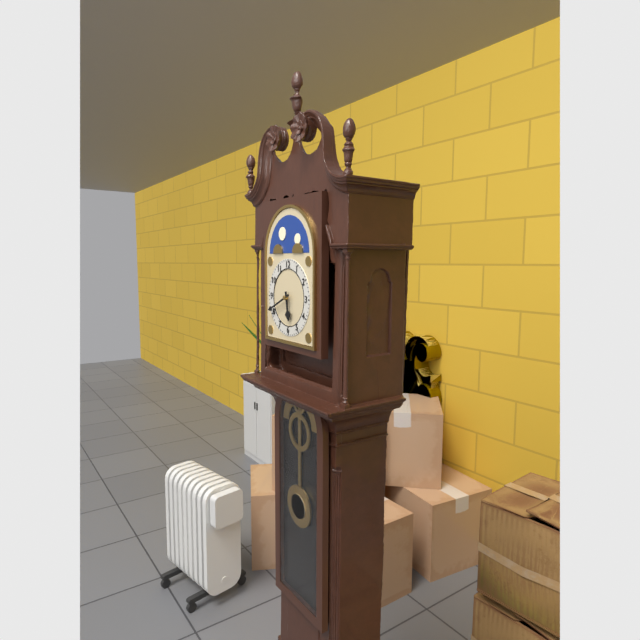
5:41
